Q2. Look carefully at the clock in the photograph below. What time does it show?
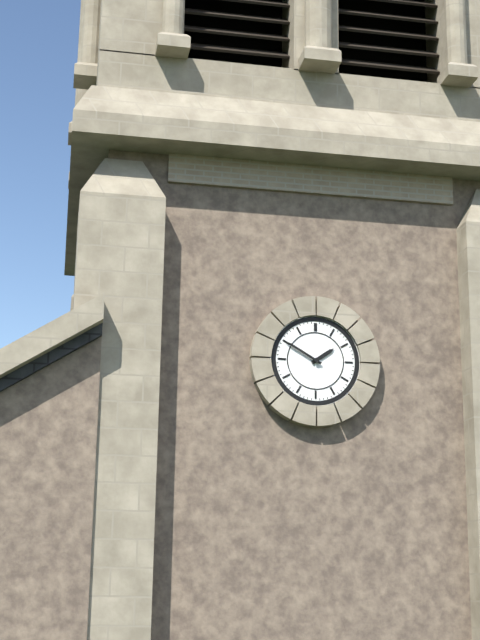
1:50
